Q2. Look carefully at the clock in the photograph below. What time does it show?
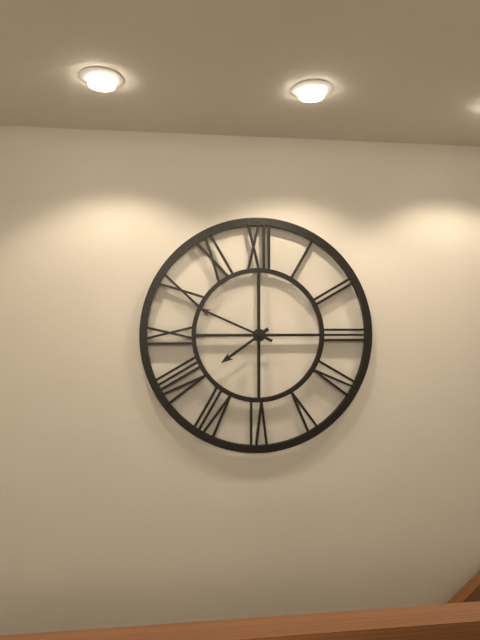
7:49
